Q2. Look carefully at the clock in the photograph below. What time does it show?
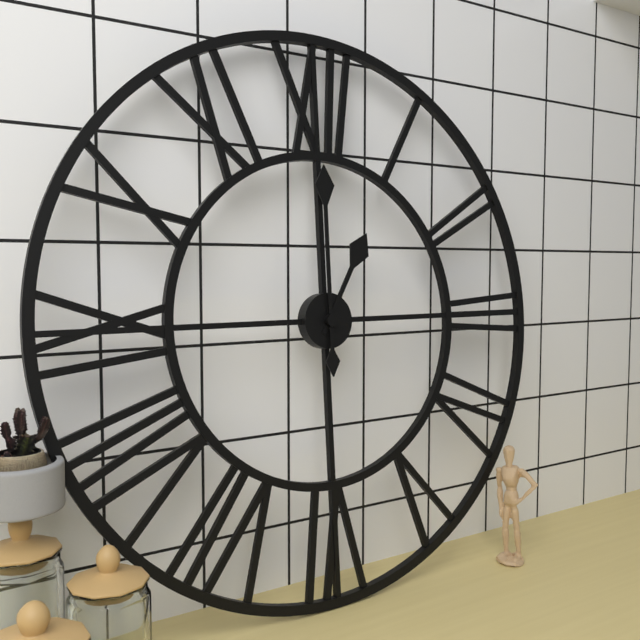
1:00
